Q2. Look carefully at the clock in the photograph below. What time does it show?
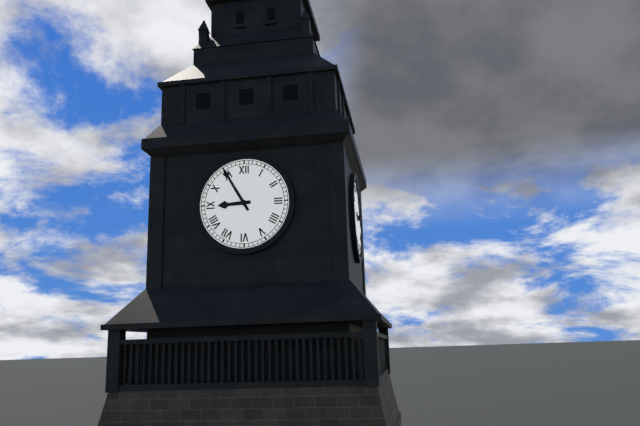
8:55
